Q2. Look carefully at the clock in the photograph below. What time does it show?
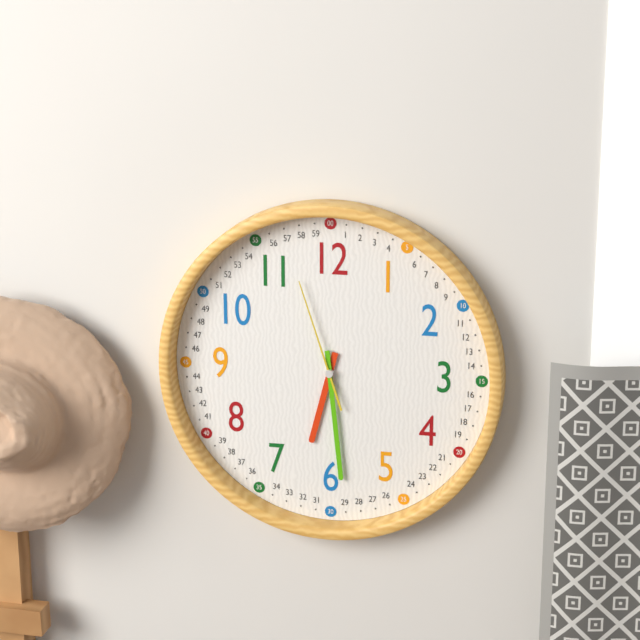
6:29:57
